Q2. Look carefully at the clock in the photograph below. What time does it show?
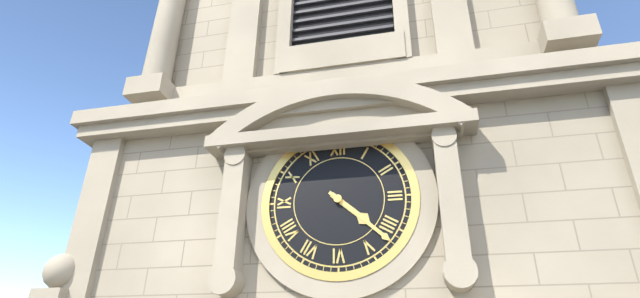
4:22
